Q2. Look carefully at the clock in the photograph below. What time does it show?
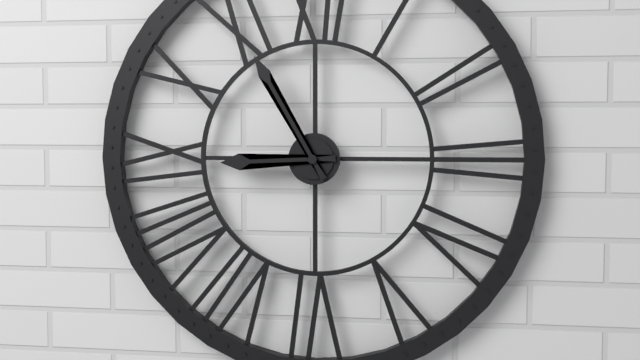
8:55
